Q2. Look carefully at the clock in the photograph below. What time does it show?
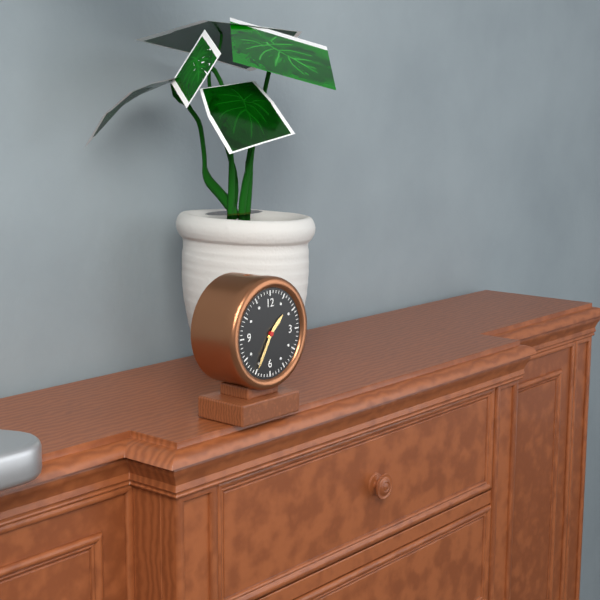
1:35
